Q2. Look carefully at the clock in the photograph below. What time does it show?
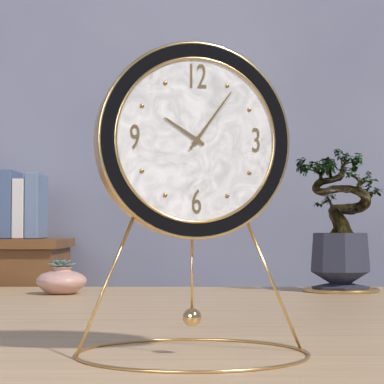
10:06
